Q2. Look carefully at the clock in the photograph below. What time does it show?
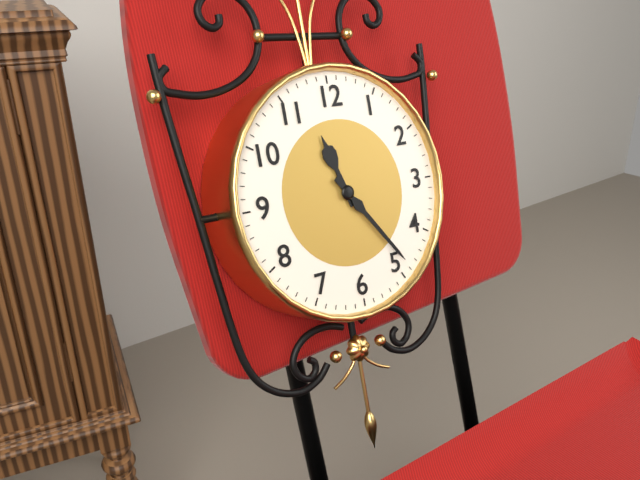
11:24
